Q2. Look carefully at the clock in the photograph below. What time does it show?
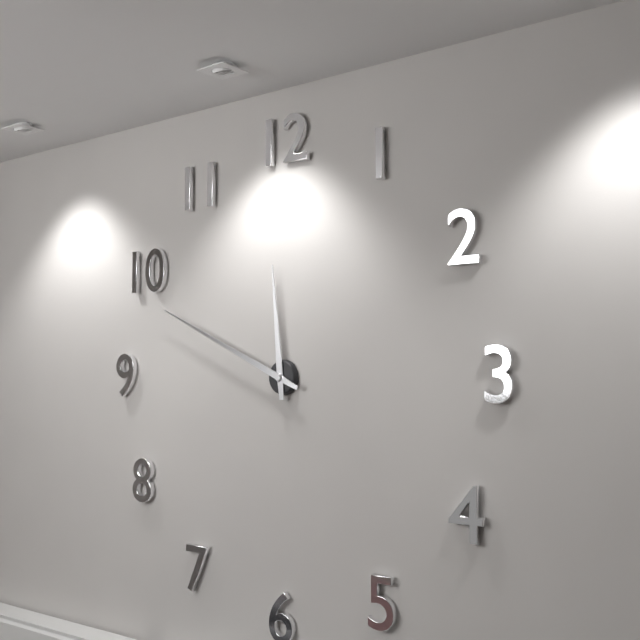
11:49
